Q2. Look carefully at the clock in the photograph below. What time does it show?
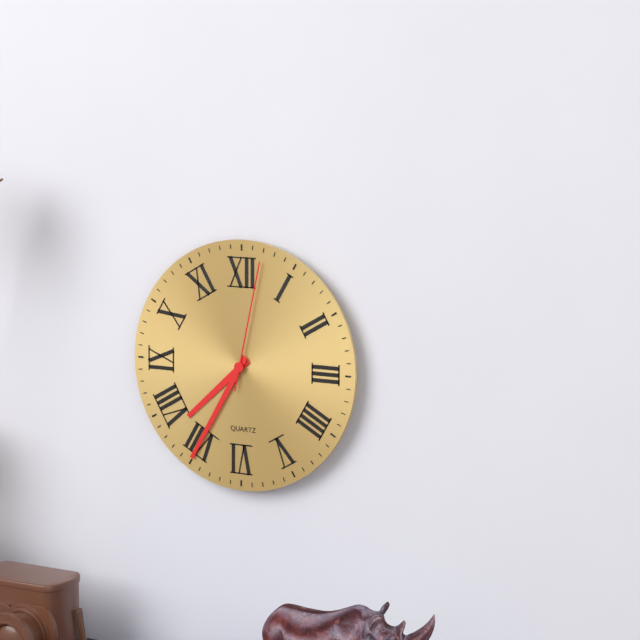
7:35:02
